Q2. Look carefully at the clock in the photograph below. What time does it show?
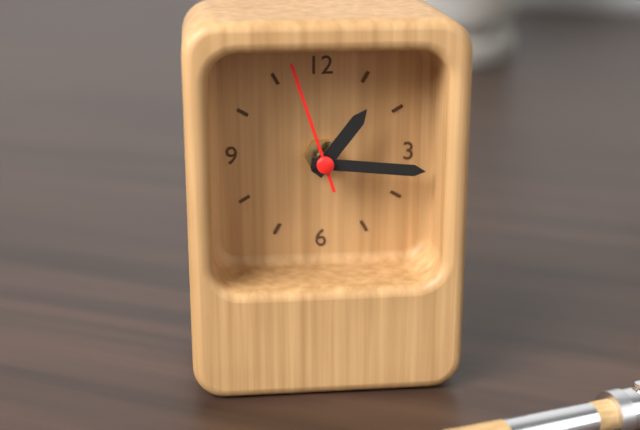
1:16:57
